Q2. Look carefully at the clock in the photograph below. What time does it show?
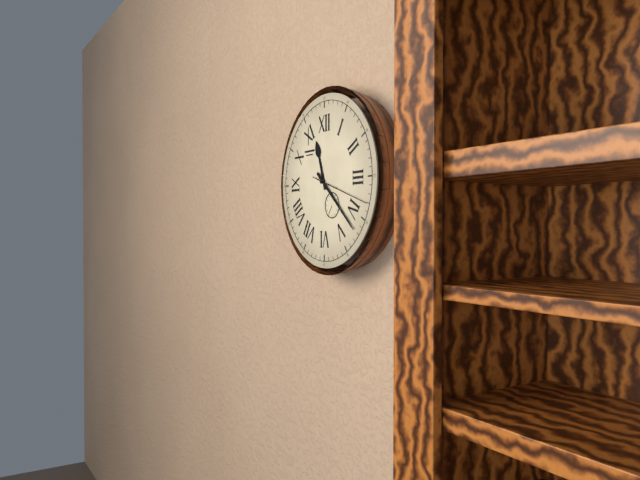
11:22:18
